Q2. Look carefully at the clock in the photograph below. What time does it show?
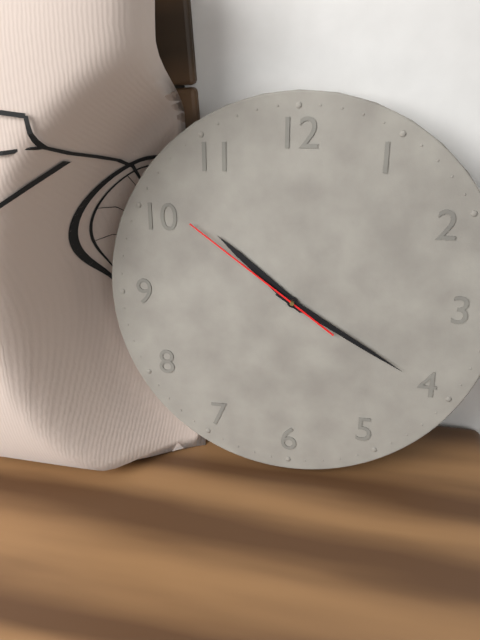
10:20:51
